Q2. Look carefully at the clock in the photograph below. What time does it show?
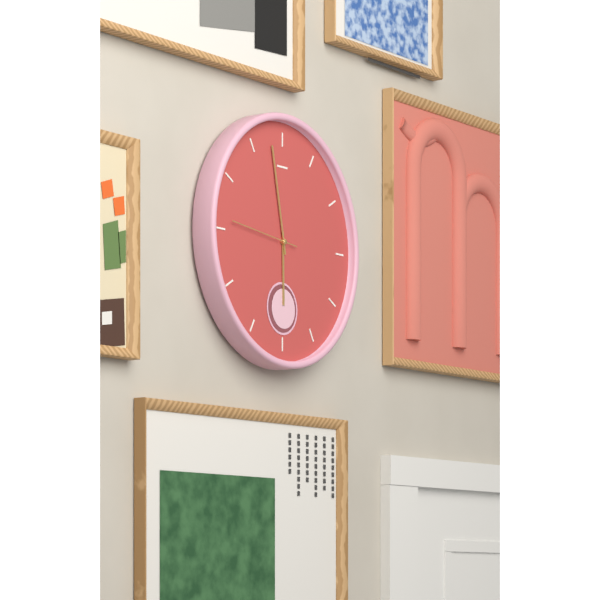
5:58:46
